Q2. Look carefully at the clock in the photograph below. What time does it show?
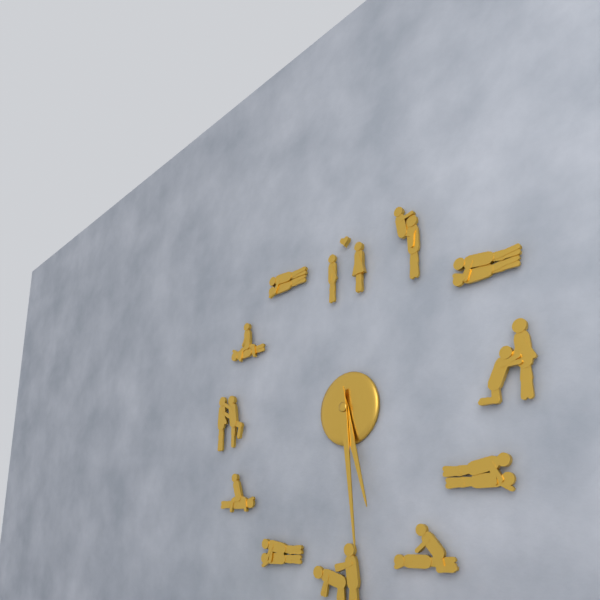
5:29
